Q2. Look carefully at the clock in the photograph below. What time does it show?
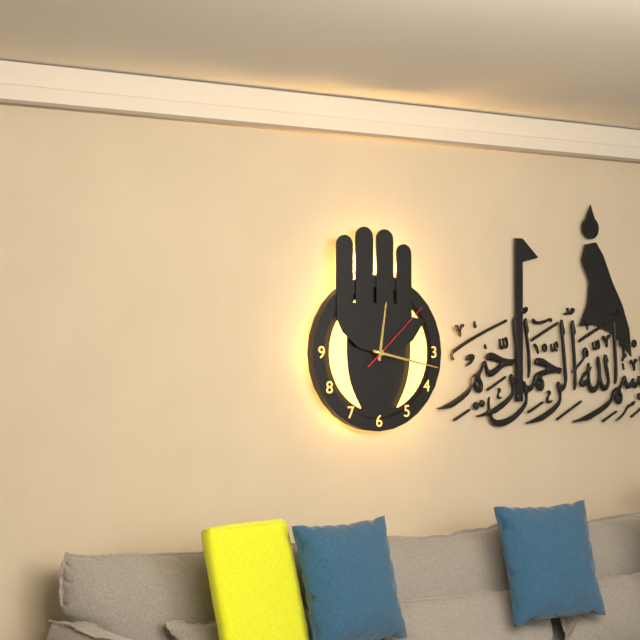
12:17:08
